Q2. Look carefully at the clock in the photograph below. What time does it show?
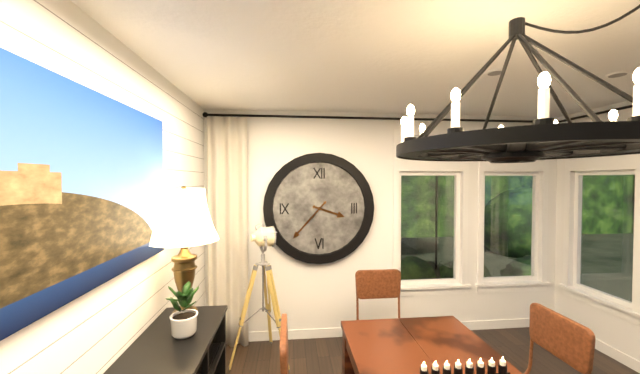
3:37
